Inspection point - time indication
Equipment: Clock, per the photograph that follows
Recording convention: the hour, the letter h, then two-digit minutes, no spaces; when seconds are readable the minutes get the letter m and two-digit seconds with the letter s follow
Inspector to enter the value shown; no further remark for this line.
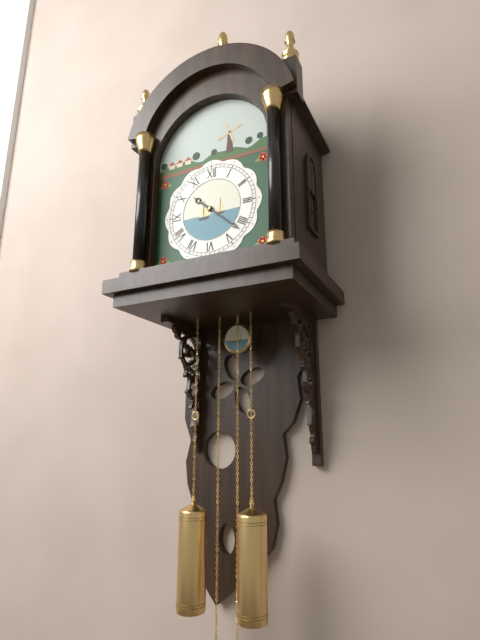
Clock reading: 10h22
